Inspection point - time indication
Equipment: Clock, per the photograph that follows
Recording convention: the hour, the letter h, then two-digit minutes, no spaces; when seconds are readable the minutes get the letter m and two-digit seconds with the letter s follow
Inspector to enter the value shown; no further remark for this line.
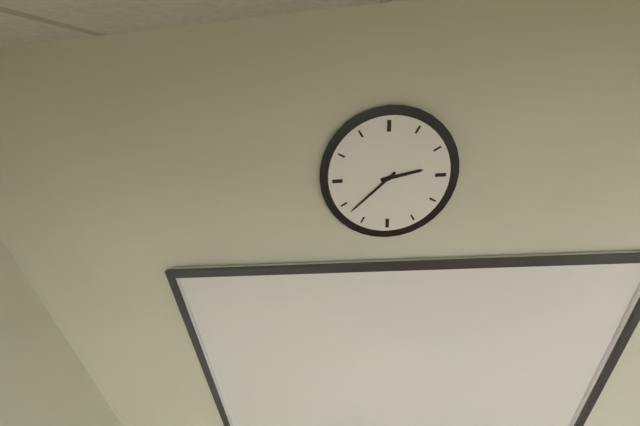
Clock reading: 2h38
